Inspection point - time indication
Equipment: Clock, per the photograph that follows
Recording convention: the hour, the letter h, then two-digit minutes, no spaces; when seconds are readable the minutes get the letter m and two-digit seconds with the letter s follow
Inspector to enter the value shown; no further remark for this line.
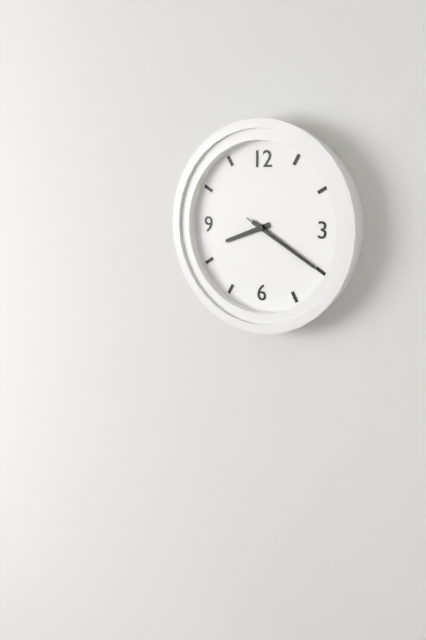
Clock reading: 8h20m20s
